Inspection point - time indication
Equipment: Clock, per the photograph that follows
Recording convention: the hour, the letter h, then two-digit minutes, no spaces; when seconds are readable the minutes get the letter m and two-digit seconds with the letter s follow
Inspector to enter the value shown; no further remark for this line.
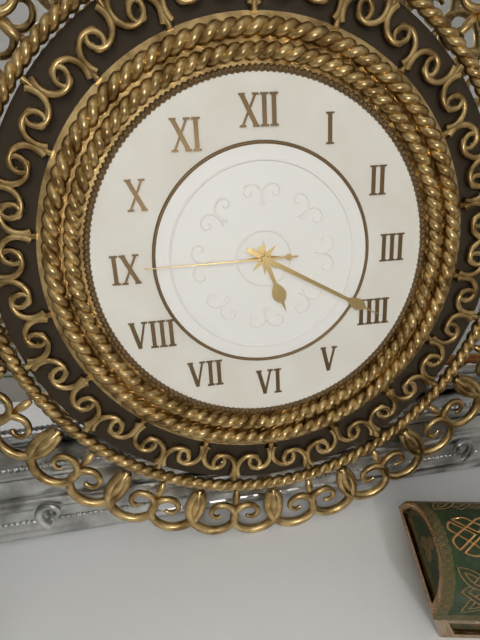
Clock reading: 5h20m45s
